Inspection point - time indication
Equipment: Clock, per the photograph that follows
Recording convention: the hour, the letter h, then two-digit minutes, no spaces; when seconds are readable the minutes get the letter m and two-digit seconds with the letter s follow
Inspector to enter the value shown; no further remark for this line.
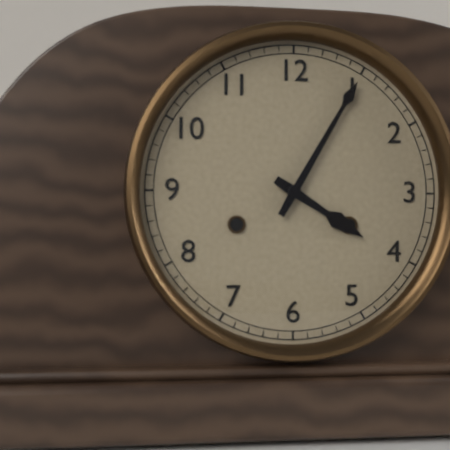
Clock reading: 4h05
